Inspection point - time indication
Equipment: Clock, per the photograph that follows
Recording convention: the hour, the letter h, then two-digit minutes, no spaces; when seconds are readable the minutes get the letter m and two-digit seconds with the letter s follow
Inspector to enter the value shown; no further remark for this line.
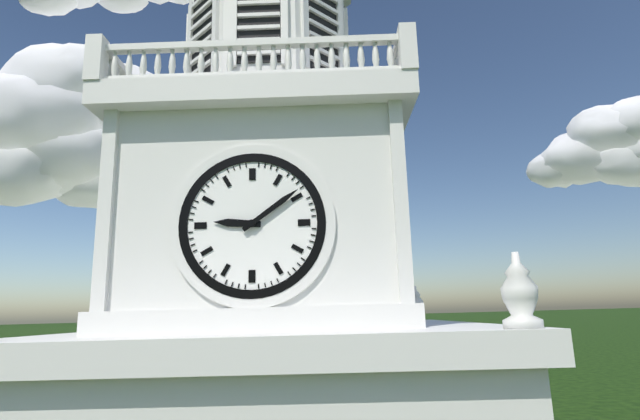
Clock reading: 9h09
